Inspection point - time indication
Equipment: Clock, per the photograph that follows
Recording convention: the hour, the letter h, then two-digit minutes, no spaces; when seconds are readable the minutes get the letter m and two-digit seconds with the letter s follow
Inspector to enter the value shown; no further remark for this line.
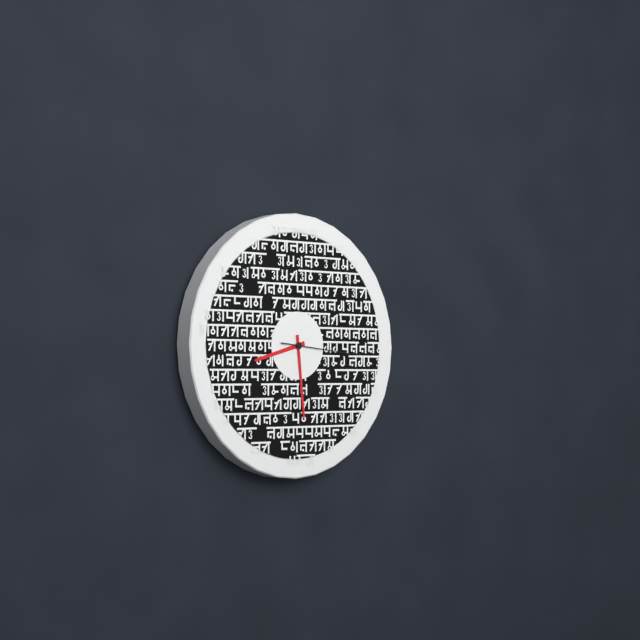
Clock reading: 8h29m16s
